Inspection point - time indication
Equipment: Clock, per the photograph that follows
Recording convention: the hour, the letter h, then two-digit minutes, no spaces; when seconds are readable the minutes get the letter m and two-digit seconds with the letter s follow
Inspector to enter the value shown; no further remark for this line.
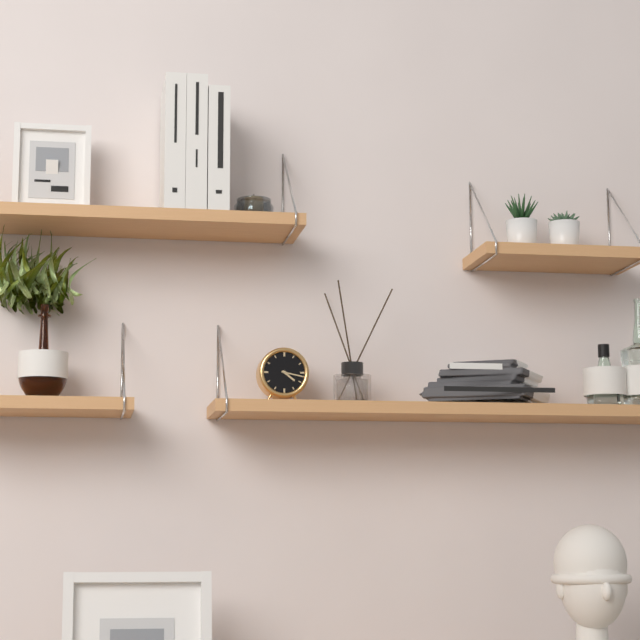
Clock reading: 4h17
